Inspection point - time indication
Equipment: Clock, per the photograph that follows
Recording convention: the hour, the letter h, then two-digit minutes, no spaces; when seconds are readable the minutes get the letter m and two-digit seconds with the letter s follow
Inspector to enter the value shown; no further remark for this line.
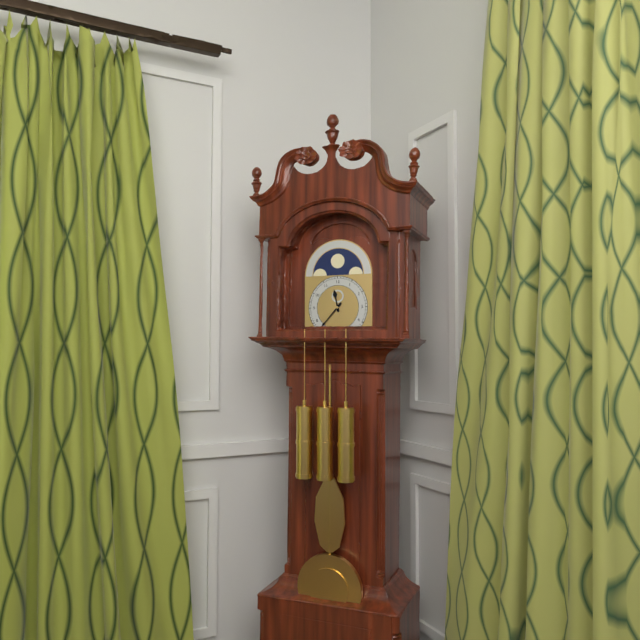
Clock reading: 11h37
